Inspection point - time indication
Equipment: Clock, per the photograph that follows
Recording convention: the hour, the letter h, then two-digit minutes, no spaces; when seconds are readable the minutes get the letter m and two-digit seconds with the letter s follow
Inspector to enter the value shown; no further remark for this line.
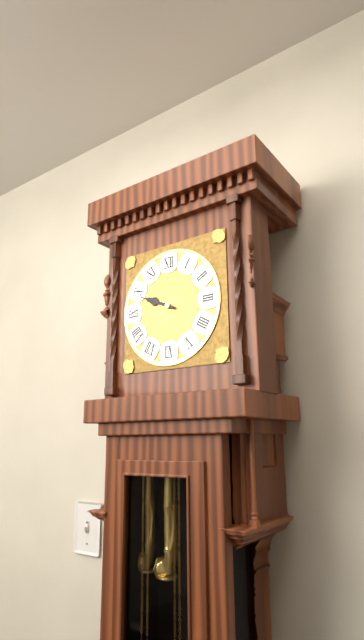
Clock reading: 9h49
